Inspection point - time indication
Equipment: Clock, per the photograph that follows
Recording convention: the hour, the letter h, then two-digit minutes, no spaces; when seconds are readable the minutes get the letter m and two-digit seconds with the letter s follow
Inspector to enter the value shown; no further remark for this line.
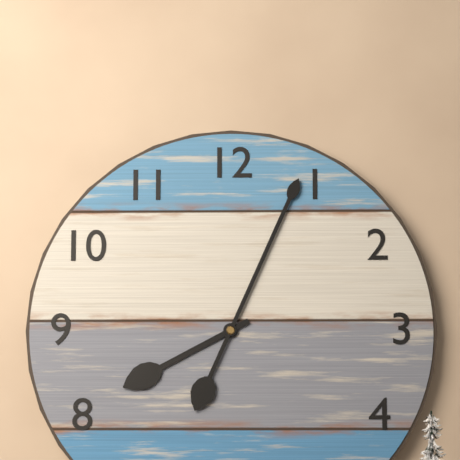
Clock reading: 8h04
